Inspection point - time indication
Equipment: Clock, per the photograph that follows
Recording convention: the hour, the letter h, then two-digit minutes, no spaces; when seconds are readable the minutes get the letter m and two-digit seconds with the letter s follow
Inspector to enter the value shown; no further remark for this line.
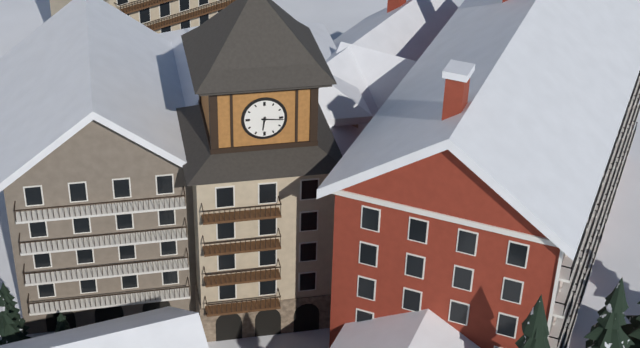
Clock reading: 6h16
